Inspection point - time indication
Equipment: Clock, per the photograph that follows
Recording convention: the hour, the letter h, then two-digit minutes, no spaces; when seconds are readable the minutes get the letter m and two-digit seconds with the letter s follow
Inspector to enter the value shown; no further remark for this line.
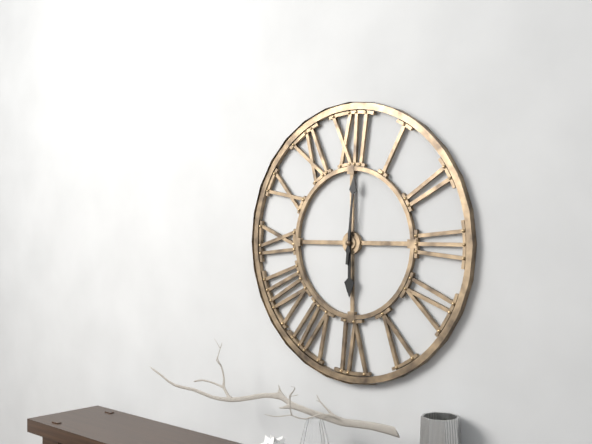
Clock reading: 6h01
